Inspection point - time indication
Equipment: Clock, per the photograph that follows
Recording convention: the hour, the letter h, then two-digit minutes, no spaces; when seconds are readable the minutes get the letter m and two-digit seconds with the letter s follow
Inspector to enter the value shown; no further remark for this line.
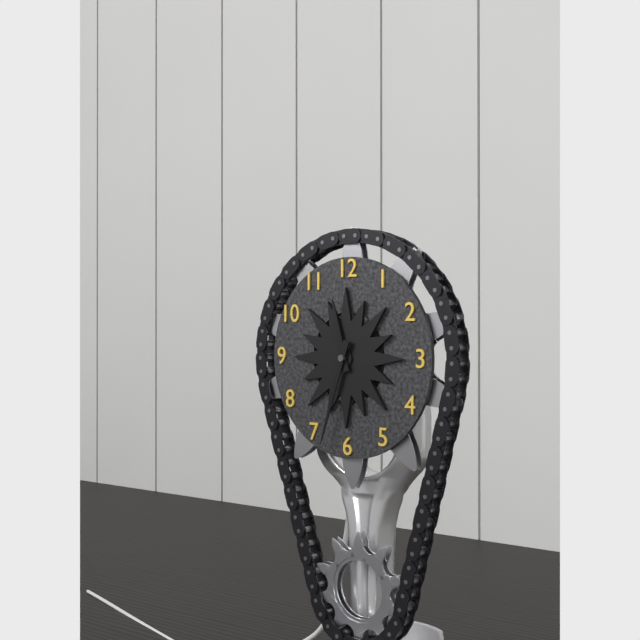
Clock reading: 11h33
